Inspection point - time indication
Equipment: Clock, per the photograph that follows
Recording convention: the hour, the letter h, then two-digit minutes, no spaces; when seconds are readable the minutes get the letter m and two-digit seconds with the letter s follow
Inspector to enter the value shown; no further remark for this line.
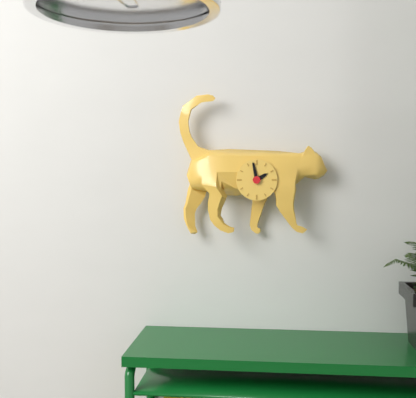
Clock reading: 1h58
